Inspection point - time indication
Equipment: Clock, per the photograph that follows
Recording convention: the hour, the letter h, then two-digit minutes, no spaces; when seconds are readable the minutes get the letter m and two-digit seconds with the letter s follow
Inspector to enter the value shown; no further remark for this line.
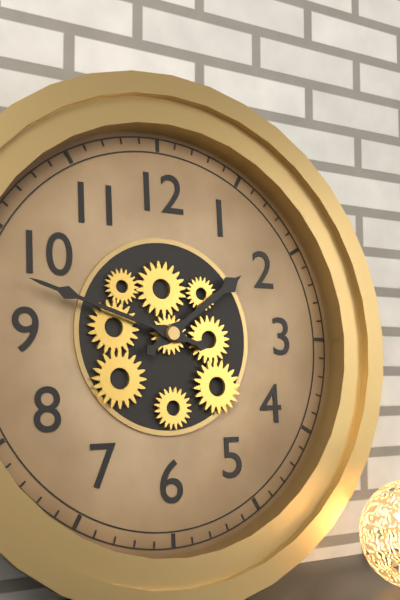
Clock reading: 1h48
